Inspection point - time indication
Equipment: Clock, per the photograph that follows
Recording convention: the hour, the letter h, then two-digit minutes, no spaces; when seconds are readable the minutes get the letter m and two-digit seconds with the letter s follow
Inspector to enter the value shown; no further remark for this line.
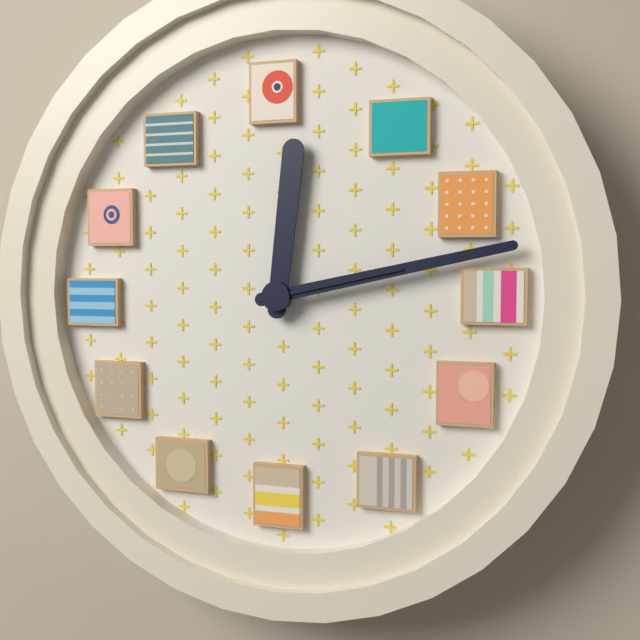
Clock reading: 12h13m13s
